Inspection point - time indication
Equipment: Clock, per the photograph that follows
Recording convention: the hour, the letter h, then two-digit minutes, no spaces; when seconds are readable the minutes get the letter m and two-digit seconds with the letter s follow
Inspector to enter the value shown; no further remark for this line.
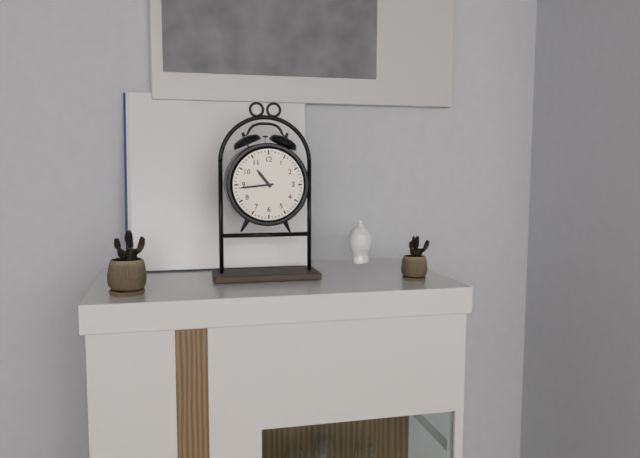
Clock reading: 10h44
